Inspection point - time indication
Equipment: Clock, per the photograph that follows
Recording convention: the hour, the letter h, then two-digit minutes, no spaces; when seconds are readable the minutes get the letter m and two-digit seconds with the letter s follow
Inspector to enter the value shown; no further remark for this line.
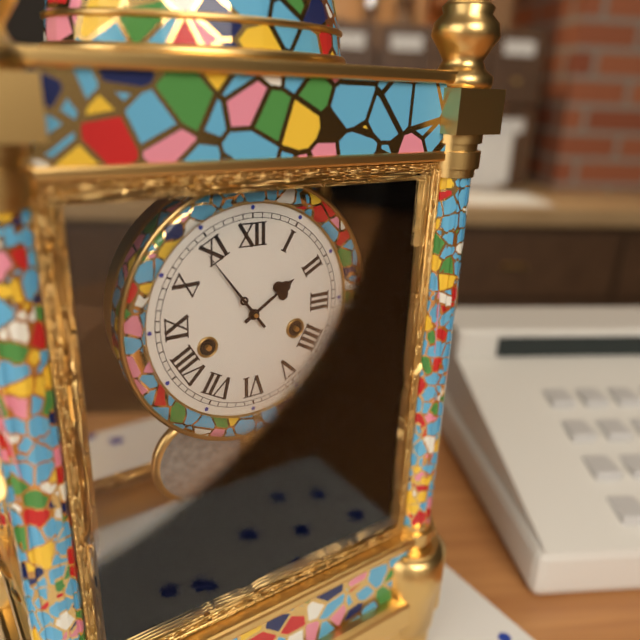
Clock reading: 1h54
